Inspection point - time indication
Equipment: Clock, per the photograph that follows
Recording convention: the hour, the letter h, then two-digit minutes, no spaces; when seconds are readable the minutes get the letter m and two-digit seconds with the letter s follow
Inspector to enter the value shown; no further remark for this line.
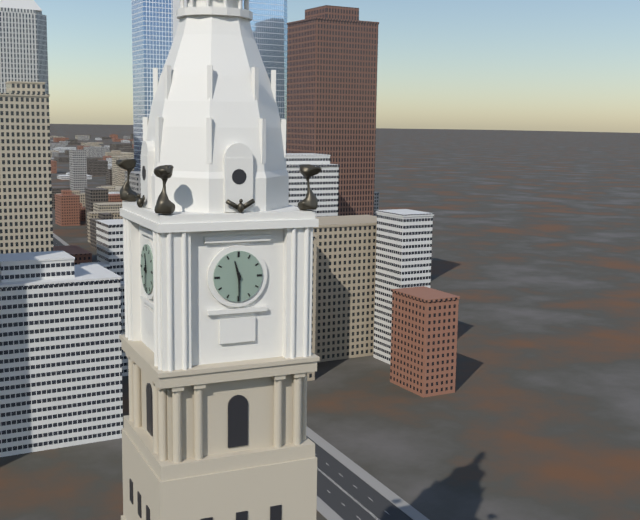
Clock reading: 11h30
